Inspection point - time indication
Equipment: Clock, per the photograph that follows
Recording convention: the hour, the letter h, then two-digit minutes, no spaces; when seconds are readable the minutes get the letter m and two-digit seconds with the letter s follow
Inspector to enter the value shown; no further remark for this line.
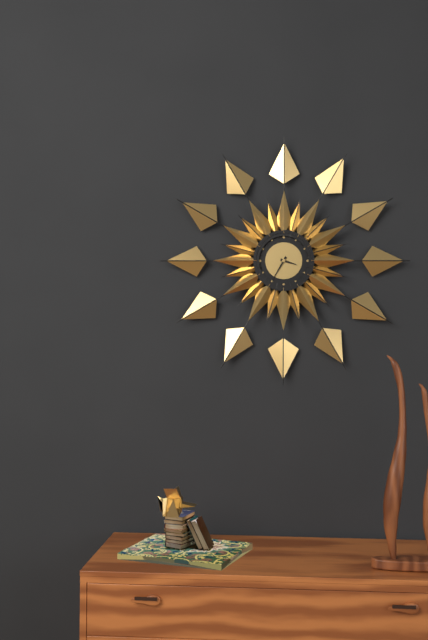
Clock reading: 3h35
